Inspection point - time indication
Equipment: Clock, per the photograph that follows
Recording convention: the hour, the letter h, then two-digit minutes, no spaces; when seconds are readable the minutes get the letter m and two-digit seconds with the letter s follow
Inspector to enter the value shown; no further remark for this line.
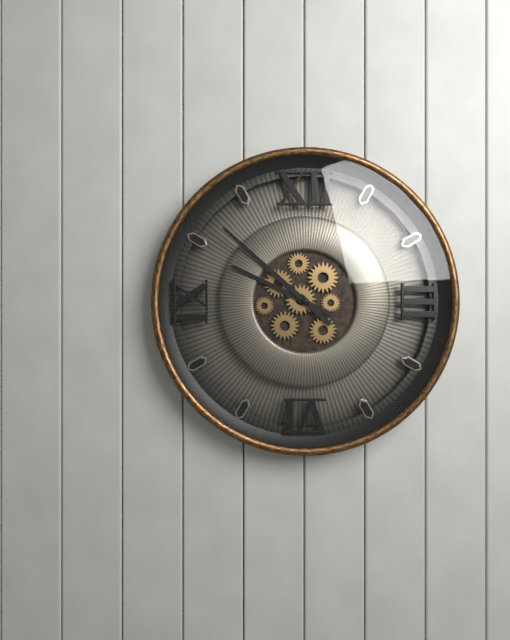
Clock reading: 9h52
